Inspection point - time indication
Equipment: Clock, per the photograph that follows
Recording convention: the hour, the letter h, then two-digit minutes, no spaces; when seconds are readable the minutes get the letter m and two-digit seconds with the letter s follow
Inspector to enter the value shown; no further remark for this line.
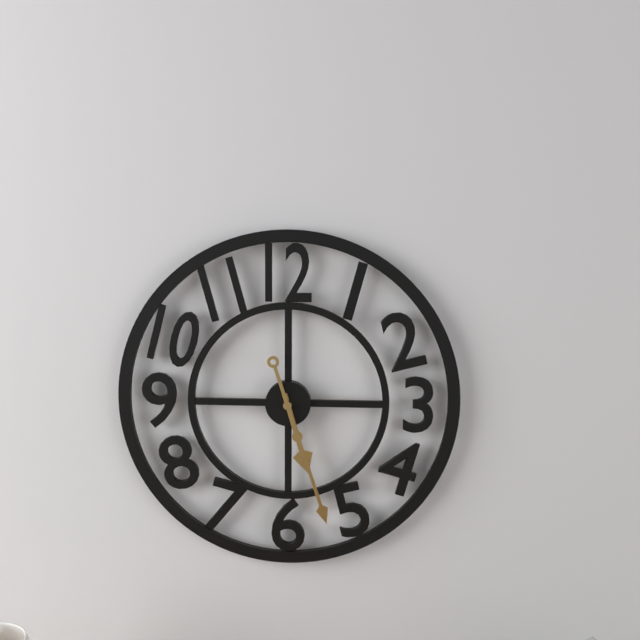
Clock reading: 5h27
